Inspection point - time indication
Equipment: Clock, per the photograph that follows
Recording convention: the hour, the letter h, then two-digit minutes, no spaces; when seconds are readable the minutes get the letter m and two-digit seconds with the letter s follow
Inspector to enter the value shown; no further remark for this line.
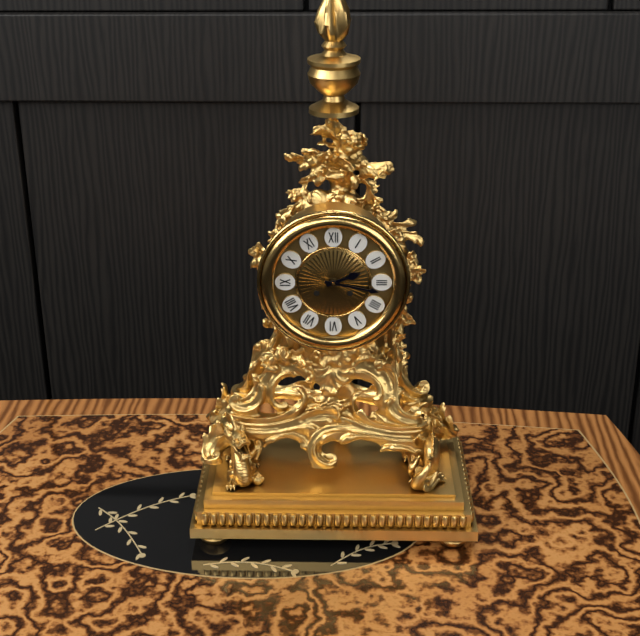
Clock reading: 2h17
